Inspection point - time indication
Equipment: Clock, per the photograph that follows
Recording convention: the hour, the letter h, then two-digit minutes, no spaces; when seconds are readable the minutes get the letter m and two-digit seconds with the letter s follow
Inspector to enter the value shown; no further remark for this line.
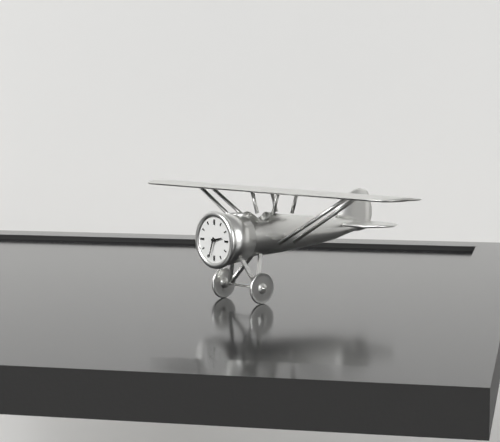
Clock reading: 2h33
